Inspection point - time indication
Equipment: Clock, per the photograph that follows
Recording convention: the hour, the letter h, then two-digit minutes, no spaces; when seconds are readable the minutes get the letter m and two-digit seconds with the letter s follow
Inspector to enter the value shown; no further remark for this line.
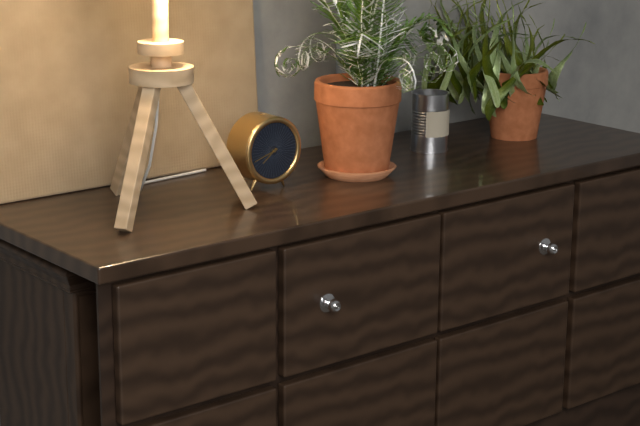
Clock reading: 7h42
